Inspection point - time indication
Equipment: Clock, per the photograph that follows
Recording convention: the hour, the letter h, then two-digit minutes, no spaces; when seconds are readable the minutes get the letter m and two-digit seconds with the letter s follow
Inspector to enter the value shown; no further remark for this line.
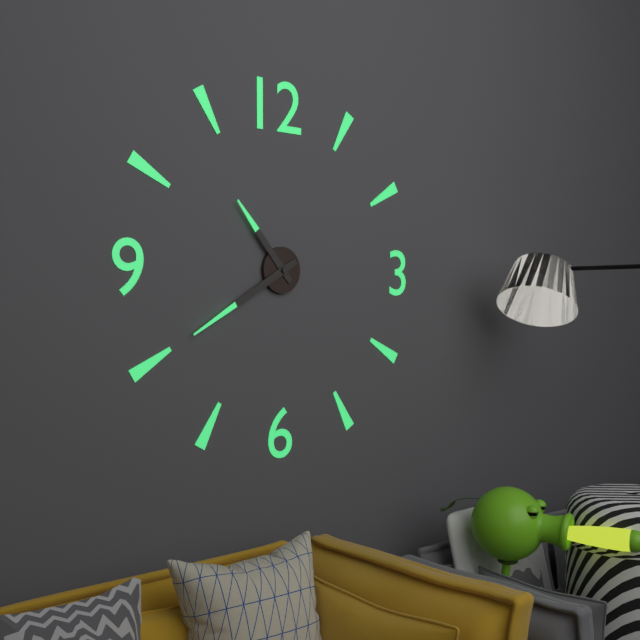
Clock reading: 10h40
